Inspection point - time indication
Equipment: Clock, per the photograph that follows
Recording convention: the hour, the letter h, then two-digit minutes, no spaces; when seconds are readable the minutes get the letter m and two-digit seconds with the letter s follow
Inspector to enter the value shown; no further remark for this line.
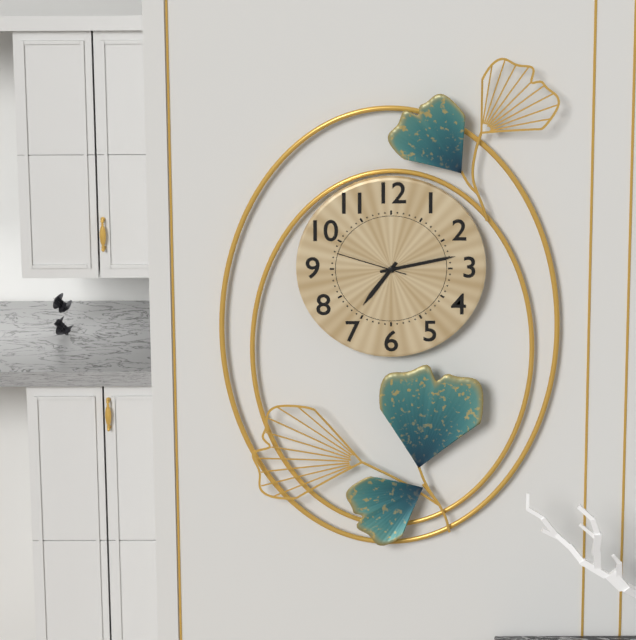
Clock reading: 7h13m48s
